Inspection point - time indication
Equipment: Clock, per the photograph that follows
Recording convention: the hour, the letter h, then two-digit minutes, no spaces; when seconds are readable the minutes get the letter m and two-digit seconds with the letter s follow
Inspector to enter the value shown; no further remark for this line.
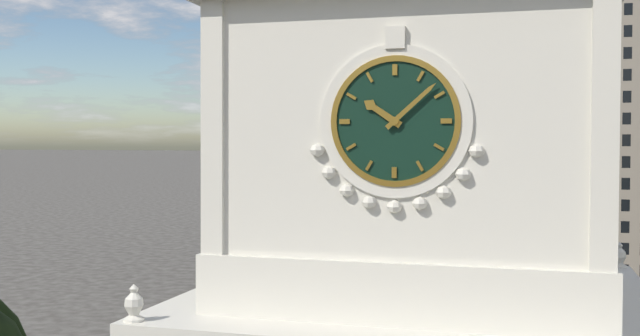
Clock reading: 10h08
